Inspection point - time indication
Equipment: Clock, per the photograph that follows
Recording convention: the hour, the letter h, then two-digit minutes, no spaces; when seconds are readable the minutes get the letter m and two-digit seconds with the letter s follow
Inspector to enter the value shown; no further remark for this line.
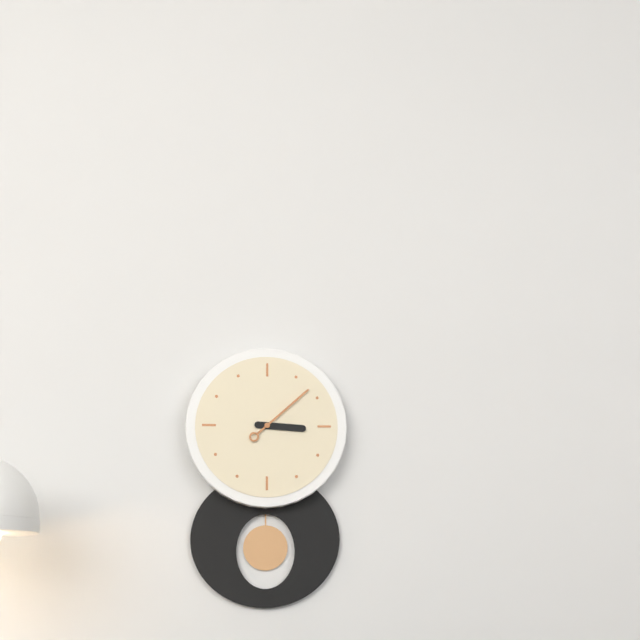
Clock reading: 3h08
